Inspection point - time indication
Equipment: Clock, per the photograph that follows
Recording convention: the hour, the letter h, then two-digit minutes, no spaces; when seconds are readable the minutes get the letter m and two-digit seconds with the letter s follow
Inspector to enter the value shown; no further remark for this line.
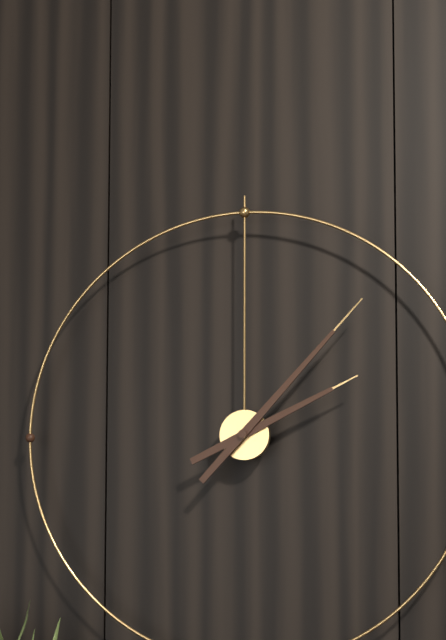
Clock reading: 2h07
